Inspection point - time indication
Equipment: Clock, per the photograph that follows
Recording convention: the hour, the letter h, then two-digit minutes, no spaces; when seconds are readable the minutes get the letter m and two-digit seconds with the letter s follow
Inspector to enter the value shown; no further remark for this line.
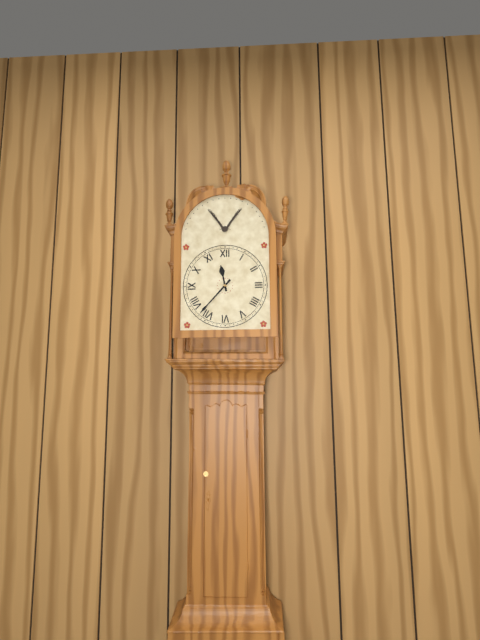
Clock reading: 11h37
